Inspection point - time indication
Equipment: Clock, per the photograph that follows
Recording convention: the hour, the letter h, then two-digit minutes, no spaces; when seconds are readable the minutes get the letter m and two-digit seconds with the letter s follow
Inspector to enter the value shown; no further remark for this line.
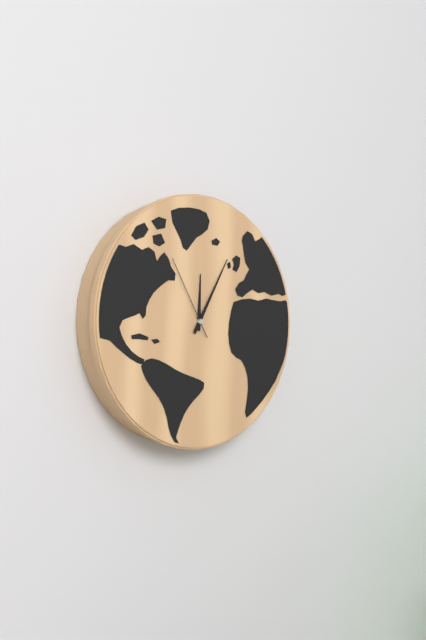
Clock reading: 12h05m55s
